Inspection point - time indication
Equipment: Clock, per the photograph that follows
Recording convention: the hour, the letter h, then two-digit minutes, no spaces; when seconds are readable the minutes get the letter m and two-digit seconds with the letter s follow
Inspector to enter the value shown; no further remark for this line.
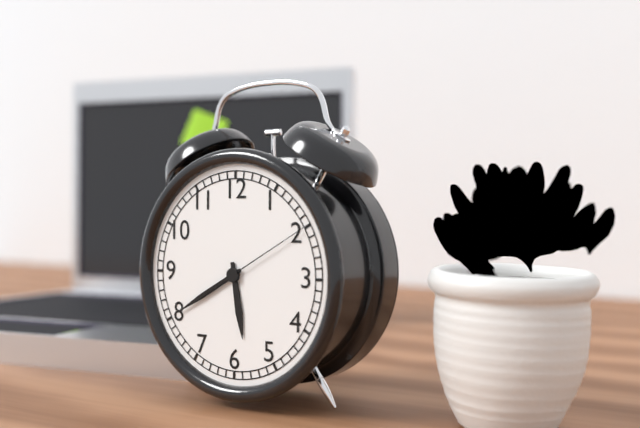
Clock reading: 5h40m10s
